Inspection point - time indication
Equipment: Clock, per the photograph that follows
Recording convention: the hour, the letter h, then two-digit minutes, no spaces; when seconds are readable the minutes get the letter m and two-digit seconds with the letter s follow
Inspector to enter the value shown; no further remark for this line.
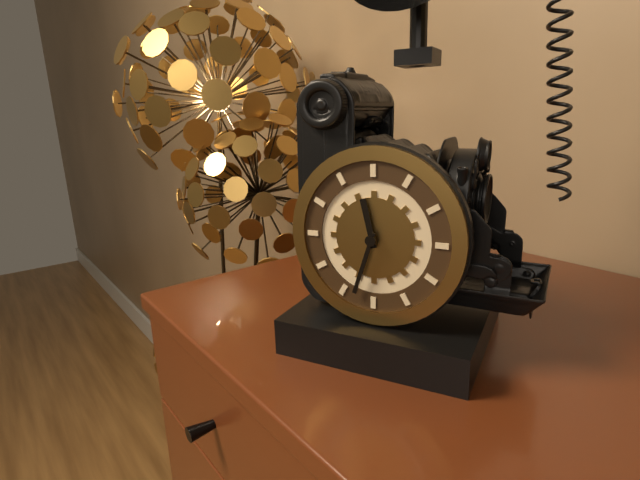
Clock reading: 11h33
